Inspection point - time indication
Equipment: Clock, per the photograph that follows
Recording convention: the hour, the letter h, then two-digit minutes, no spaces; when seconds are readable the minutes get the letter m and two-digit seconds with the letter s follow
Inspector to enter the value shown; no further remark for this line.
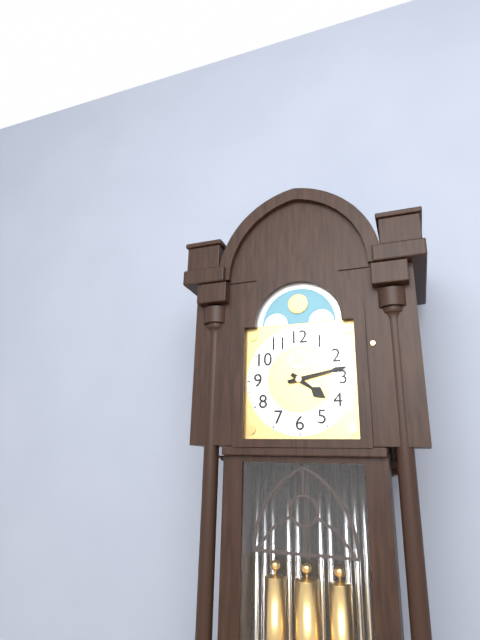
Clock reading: 4h13
